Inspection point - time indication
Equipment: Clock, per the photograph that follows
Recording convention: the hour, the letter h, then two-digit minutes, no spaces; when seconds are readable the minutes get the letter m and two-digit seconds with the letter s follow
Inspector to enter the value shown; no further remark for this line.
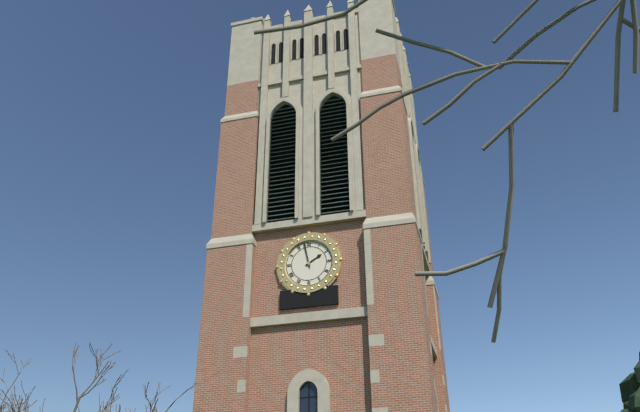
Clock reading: 1h58
